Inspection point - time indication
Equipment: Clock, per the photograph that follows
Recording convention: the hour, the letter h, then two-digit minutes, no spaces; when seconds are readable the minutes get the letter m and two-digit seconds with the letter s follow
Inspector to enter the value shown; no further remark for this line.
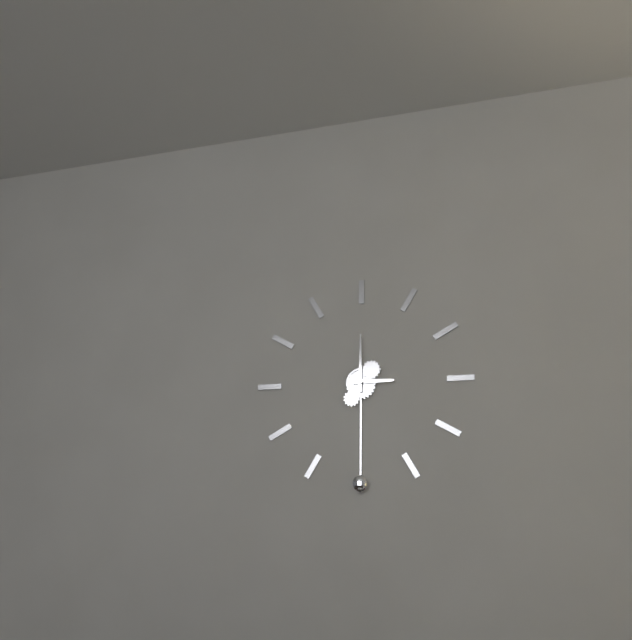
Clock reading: 3h00
